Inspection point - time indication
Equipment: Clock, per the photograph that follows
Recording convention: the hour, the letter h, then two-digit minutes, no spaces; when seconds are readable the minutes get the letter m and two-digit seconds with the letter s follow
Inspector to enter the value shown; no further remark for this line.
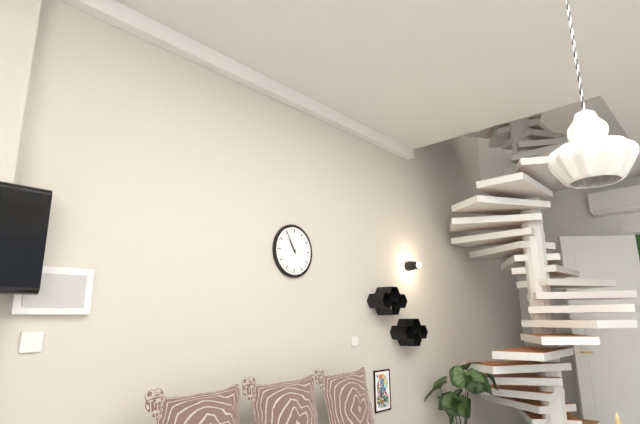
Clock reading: 10h55
